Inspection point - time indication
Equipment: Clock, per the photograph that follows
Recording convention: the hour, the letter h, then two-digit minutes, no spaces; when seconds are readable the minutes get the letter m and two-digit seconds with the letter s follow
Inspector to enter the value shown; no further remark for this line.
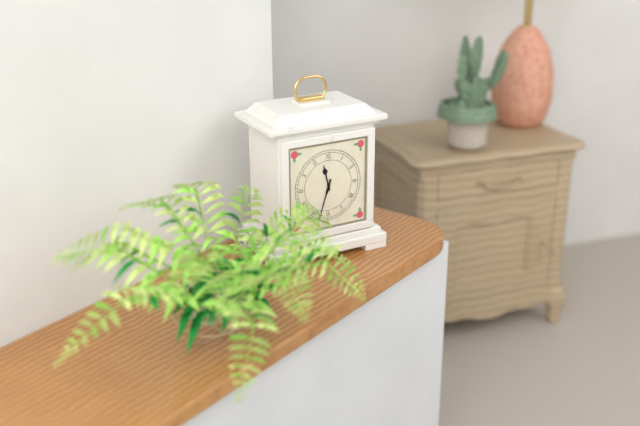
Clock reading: 11h33
